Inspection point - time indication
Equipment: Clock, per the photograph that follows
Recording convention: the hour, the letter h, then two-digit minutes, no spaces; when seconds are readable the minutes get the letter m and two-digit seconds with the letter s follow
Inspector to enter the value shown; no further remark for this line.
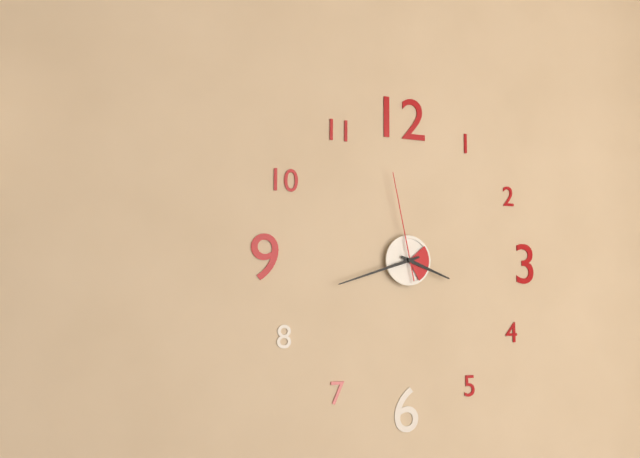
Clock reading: 3h42m58s
